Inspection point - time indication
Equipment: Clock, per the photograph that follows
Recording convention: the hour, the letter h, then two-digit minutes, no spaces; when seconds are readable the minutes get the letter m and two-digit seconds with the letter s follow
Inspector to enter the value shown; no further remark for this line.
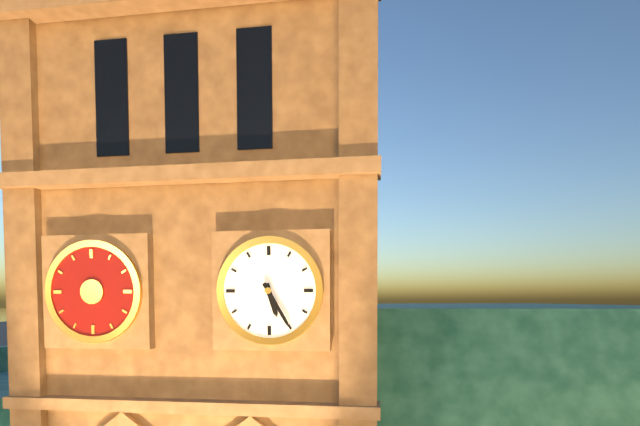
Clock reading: 5h25
